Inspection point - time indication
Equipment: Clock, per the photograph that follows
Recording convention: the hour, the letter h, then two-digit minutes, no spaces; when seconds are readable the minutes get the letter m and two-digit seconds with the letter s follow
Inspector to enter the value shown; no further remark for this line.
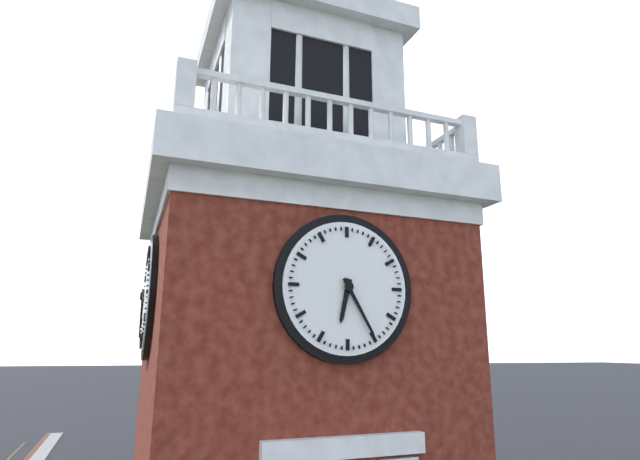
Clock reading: 6h25
